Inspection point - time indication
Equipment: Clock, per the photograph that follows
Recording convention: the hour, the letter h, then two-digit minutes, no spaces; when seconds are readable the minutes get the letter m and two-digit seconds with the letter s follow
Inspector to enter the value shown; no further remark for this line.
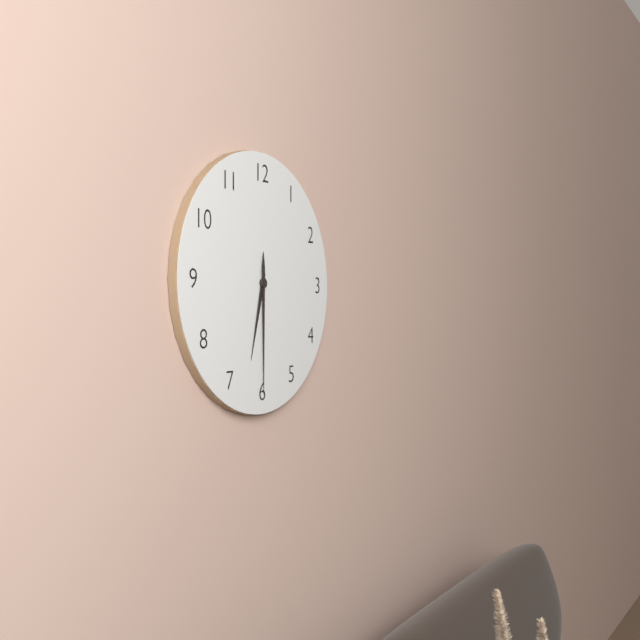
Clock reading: 6h30
